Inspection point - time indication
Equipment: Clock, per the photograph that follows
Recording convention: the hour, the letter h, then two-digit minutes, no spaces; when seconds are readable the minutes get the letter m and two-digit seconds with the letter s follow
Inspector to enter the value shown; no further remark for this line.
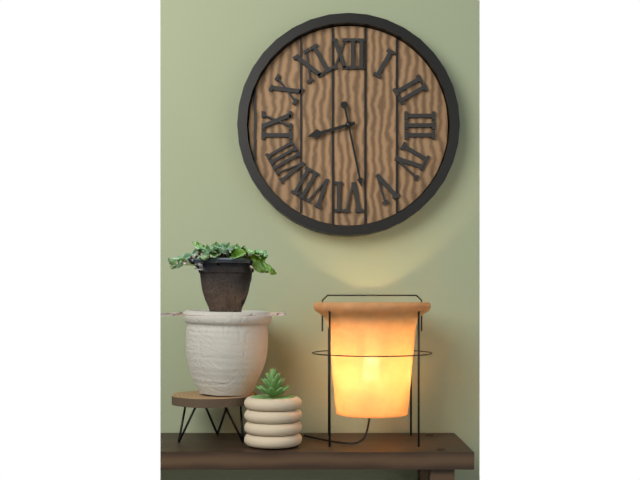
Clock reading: 8h28
